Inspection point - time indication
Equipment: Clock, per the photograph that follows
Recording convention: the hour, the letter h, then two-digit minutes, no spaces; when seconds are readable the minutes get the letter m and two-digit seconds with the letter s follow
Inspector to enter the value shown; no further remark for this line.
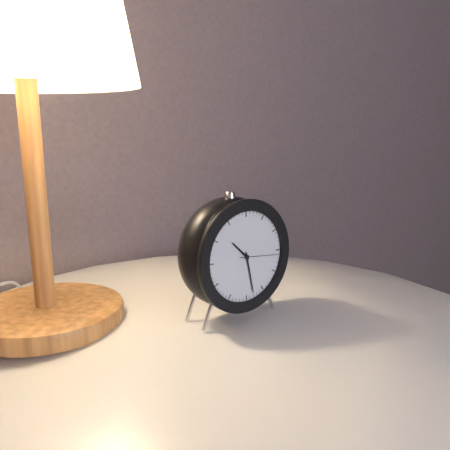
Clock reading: 10h28
